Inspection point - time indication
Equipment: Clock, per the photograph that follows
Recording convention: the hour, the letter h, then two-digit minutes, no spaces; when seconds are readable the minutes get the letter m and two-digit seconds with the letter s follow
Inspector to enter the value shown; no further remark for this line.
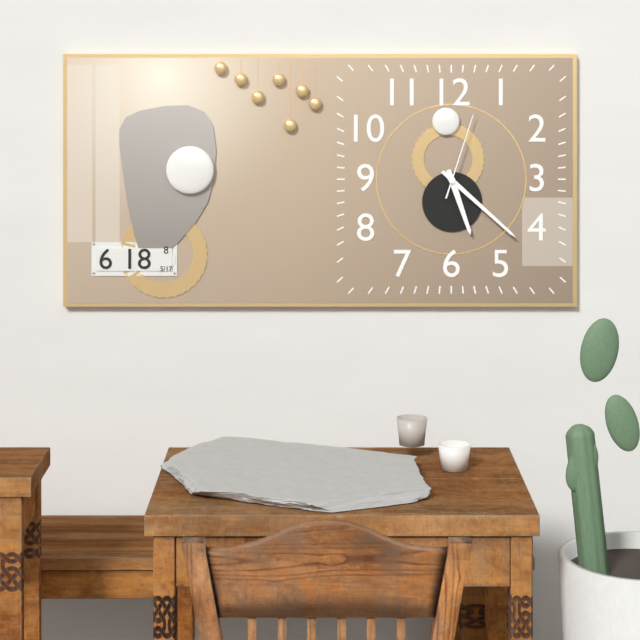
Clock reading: 5h22m03s
